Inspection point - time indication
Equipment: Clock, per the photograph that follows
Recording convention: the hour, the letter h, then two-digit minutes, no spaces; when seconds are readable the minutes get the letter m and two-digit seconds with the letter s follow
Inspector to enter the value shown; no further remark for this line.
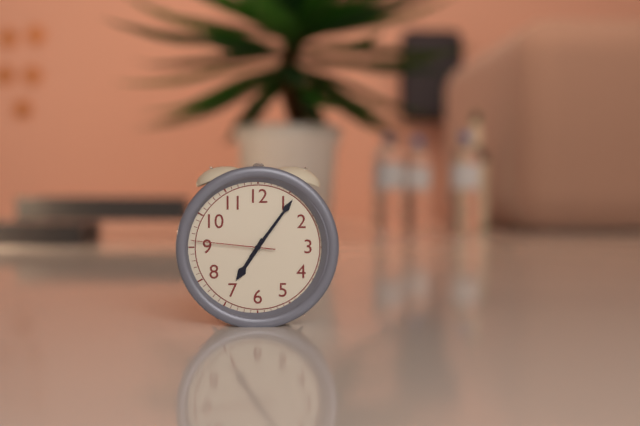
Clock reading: 7h06m46s
